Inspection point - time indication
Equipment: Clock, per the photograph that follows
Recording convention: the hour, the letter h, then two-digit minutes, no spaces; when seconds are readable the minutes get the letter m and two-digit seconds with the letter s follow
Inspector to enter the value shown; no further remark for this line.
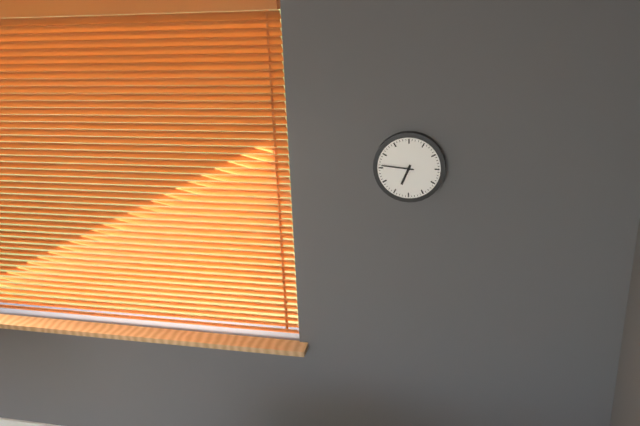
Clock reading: 6h46
